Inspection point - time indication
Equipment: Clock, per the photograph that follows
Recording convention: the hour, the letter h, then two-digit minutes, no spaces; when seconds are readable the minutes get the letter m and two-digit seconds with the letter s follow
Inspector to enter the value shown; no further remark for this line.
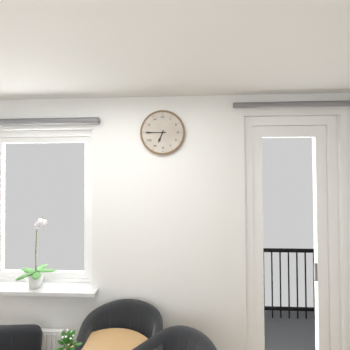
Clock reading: 6h45
